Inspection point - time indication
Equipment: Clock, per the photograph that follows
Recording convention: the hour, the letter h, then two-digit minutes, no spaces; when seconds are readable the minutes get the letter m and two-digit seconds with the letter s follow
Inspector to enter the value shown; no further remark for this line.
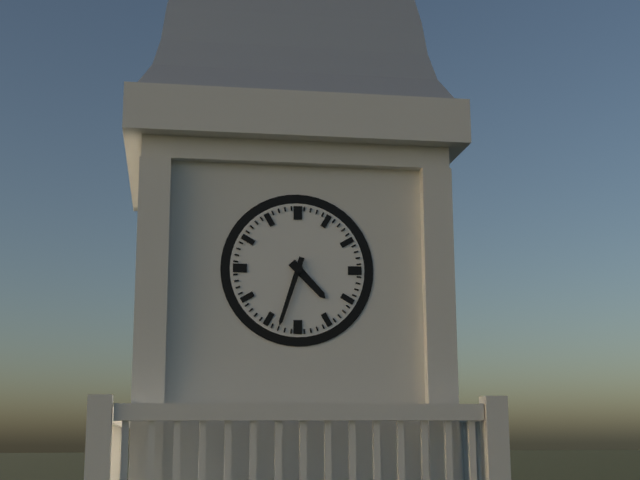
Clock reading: 4h33
